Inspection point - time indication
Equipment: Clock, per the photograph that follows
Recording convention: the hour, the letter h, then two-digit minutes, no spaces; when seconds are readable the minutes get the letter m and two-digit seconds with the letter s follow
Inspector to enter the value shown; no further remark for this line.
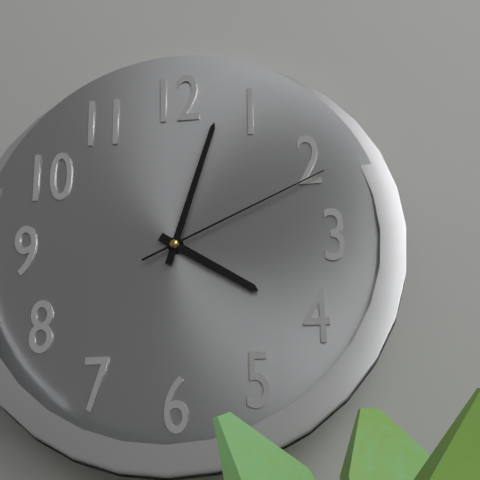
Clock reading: 4h03m11s
